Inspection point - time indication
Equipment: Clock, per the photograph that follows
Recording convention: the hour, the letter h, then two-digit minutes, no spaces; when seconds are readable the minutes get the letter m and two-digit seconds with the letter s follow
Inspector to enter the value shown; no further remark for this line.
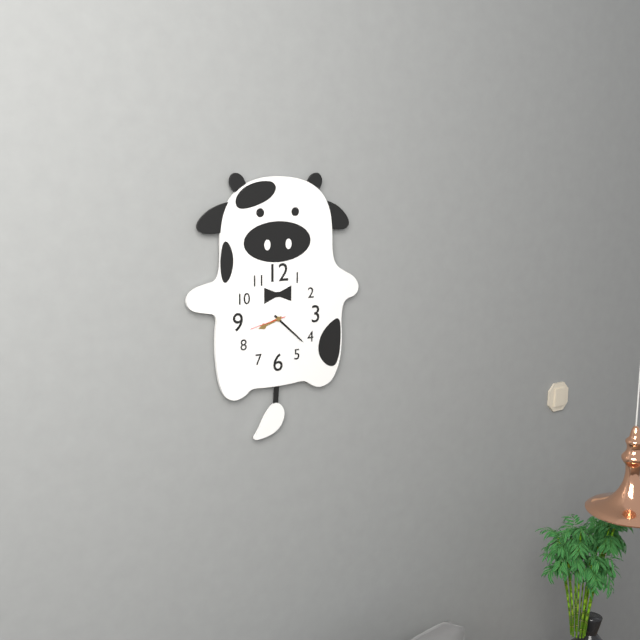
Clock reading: 8h22
